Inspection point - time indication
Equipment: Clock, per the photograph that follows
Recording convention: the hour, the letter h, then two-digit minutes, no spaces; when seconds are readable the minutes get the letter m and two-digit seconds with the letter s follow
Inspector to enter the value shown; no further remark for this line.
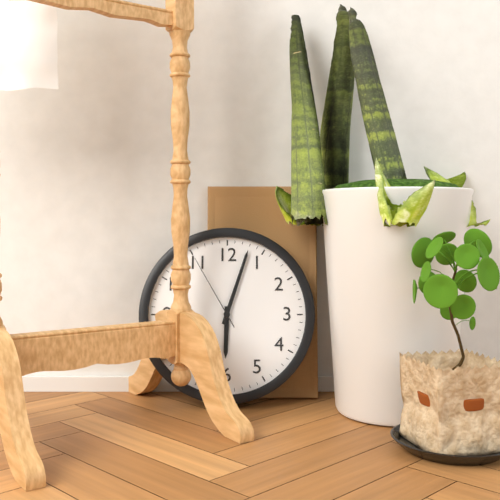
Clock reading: 6h03m55s
